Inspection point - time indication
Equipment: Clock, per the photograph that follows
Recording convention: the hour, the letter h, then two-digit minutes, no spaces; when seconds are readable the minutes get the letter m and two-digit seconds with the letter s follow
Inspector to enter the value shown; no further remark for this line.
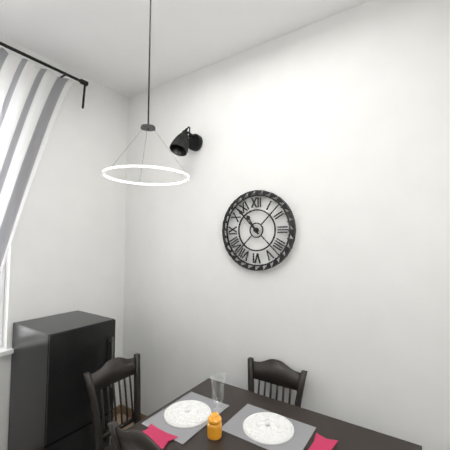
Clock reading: 10h53
